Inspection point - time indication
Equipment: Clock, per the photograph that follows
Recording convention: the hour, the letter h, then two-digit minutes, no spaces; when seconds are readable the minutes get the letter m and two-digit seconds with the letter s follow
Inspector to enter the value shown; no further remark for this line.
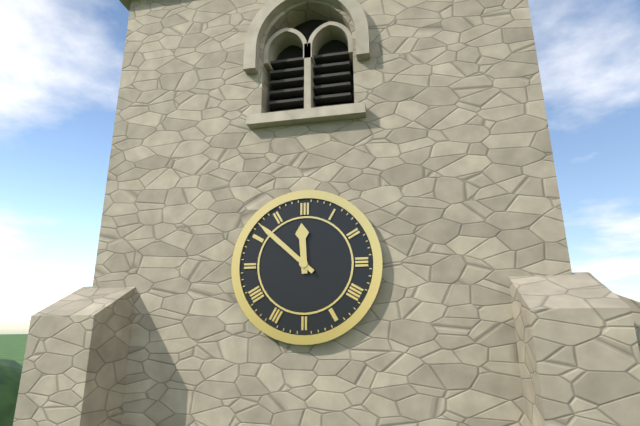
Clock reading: 11h52
